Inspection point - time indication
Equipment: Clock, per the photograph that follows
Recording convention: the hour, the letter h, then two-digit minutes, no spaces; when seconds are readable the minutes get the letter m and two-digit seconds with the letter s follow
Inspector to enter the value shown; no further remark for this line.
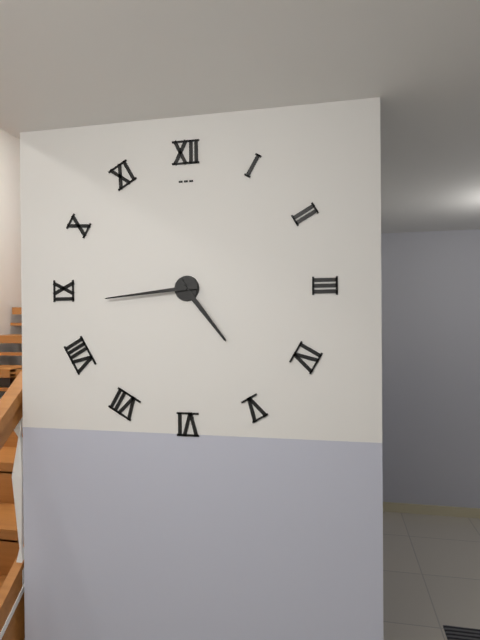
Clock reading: 4h44
